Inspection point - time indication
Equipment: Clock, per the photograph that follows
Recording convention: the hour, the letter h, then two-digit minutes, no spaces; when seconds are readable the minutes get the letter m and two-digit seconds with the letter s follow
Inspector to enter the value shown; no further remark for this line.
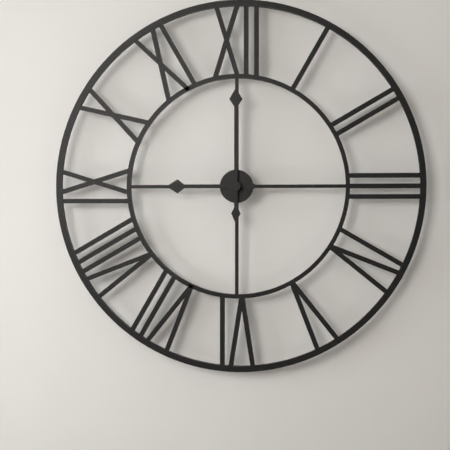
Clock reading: 9h00
